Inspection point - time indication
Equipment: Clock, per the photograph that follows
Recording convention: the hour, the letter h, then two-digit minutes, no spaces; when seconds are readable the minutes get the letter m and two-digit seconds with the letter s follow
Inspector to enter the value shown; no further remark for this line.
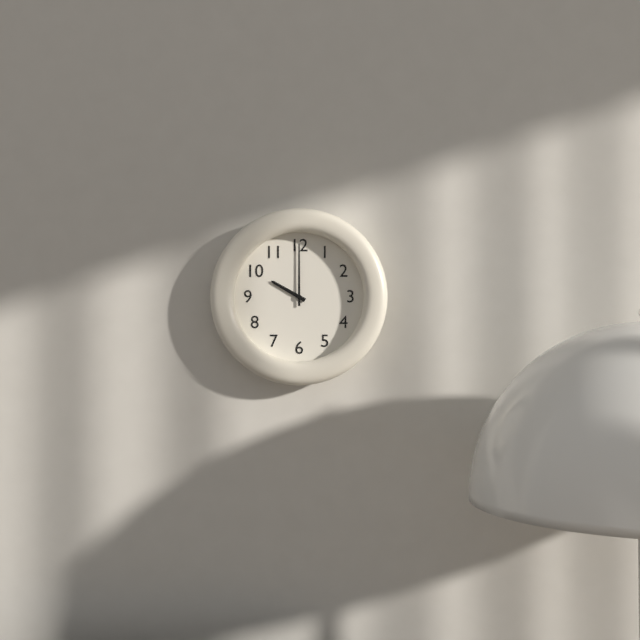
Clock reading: 10h00
